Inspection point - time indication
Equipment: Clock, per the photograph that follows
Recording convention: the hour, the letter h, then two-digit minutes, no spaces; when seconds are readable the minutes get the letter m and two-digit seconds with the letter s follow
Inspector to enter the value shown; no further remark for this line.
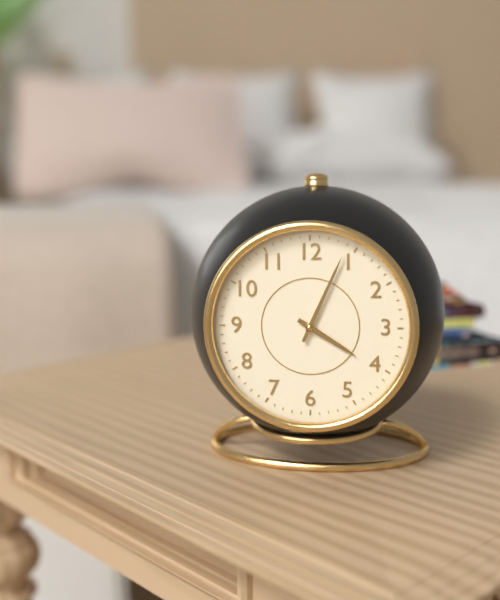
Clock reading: 4h04
